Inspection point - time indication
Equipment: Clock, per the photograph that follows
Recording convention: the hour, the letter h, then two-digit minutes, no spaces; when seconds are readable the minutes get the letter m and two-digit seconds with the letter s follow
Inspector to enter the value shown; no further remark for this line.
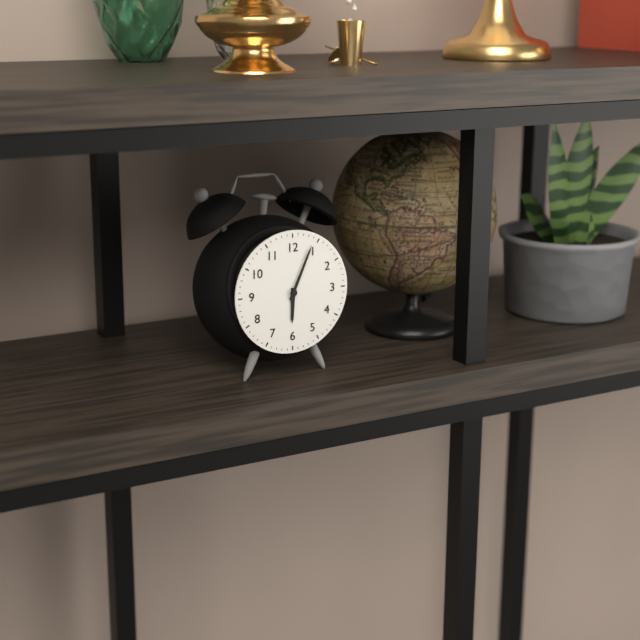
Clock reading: 6h04
